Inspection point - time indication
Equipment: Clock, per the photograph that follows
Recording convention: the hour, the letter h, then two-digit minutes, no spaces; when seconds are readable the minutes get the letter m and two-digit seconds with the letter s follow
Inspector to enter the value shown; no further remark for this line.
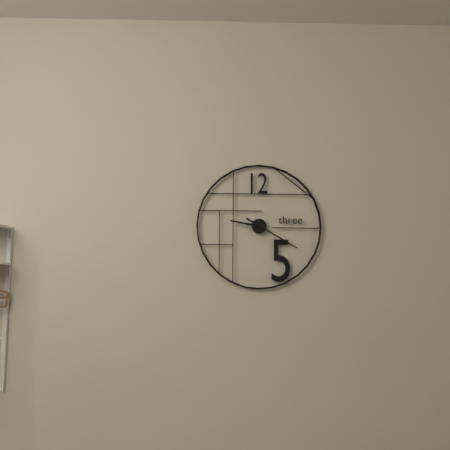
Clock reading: 9h20
